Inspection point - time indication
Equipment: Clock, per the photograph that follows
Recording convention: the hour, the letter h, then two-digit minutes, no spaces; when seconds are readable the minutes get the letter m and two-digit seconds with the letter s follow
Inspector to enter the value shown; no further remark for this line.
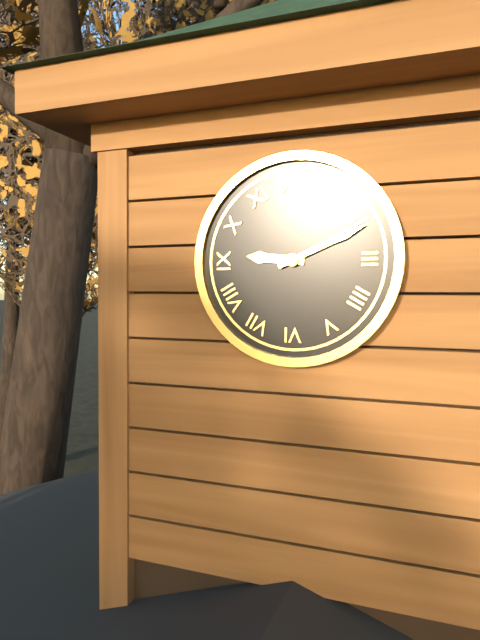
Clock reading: 9h11
